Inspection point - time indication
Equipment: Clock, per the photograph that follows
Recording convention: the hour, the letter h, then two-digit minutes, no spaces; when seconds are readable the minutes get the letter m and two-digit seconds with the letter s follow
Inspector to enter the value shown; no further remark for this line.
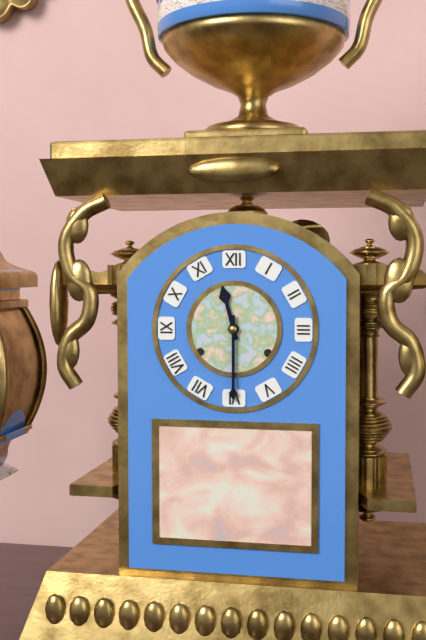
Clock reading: 11h30
